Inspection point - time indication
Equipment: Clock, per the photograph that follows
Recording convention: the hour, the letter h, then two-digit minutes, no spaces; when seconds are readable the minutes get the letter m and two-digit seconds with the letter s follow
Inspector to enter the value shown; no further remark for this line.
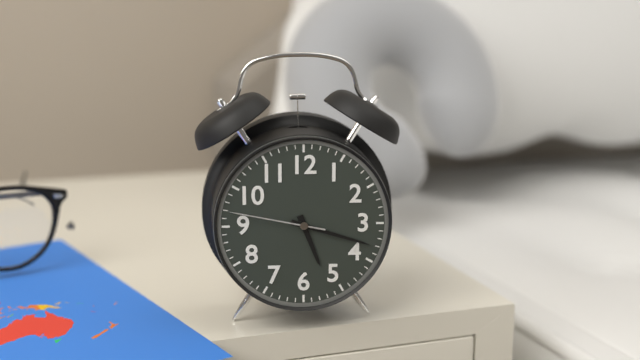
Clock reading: 5h18m47s
